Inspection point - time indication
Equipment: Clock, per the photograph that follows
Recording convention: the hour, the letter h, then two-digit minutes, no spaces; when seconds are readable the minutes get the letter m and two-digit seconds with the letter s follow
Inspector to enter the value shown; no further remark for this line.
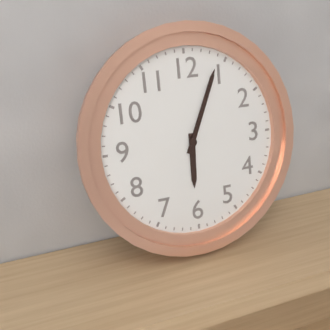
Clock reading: 6h04
